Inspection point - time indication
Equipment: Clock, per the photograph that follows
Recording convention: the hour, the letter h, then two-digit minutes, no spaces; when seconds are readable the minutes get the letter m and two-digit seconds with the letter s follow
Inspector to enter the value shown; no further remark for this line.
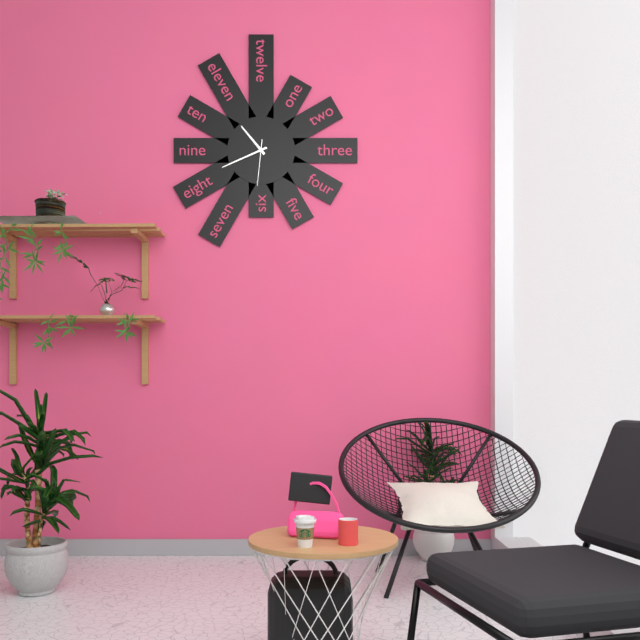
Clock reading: 10h41
